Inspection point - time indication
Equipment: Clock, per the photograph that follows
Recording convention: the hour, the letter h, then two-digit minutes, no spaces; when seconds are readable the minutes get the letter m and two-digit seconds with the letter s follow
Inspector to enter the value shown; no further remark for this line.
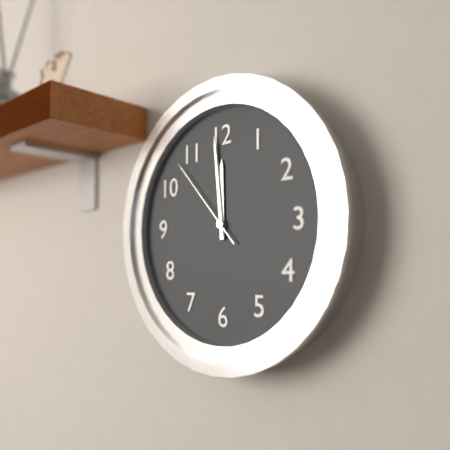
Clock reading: 11h59m53s
